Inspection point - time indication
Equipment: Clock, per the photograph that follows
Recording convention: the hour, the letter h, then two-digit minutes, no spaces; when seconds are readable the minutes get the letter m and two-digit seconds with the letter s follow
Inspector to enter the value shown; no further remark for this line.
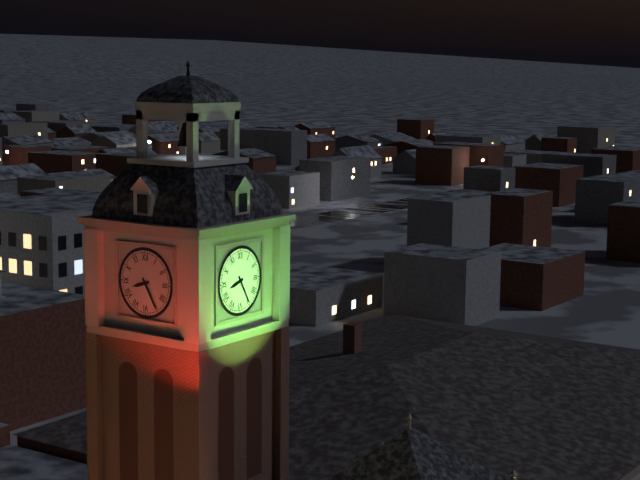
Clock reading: 8h25
